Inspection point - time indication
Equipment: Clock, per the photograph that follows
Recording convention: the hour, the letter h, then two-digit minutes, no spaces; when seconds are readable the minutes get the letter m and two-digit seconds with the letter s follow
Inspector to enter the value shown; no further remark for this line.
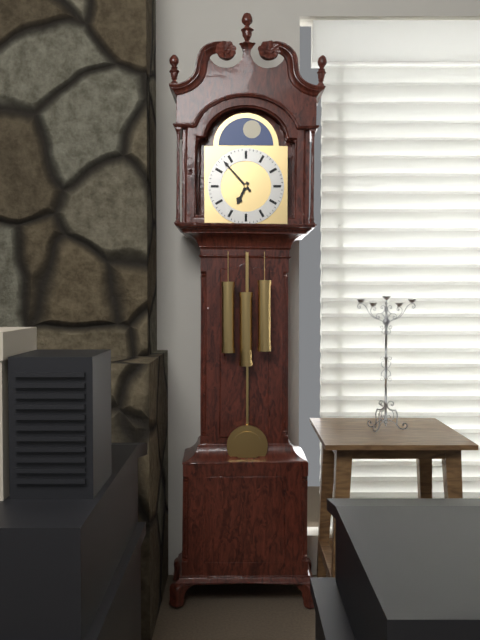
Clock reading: 6h53
